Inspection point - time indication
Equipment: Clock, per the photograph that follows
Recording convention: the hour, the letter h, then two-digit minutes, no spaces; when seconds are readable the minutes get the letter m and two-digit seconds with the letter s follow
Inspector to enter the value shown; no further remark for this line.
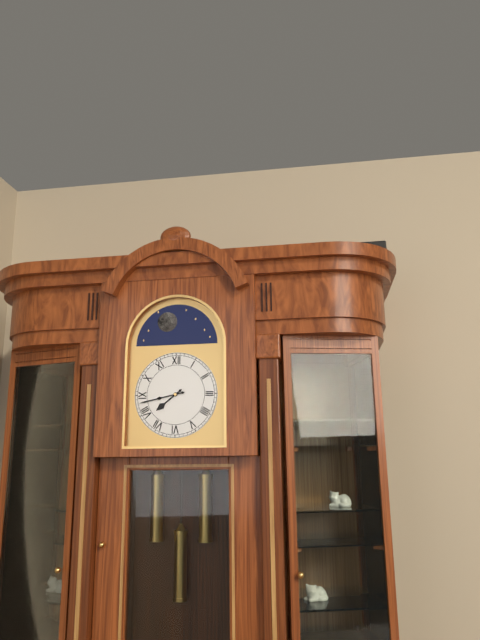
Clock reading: 7h43
